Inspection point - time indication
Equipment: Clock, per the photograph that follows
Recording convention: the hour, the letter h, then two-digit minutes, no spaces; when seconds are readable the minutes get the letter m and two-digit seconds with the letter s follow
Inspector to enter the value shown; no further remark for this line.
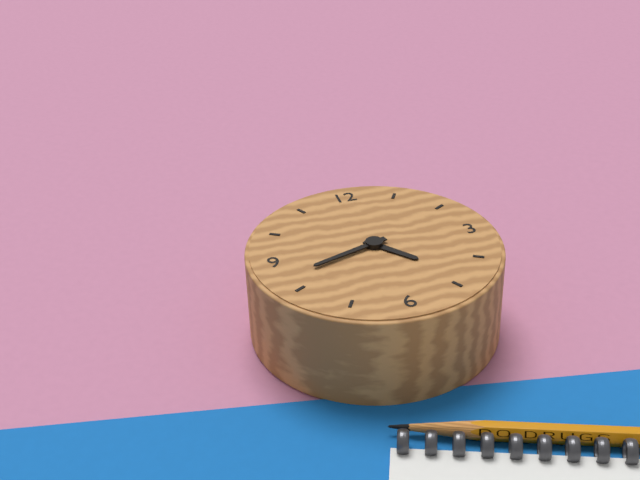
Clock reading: 4h42
